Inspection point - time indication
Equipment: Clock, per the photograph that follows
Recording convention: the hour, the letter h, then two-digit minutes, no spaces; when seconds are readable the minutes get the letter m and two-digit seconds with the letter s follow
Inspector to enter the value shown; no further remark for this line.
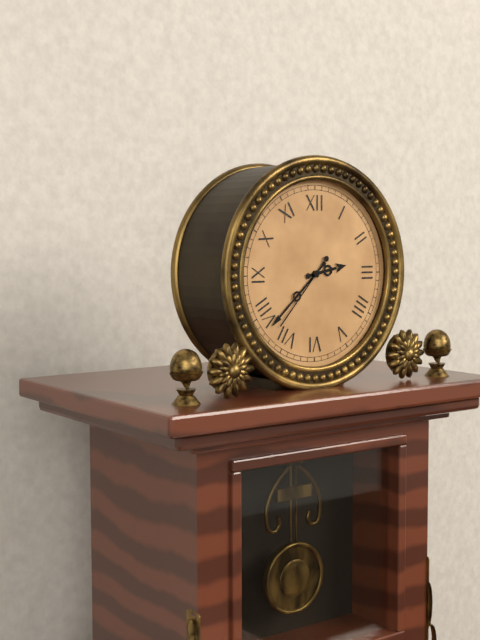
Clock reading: 2h38m37s
